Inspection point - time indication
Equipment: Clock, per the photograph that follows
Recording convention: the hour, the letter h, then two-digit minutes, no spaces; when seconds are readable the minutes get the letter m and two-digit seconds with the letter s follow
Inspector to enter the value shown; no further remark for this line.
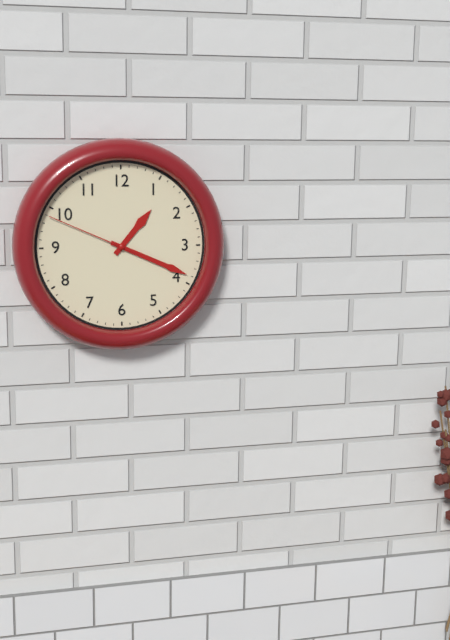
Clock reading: 1h19m49s
